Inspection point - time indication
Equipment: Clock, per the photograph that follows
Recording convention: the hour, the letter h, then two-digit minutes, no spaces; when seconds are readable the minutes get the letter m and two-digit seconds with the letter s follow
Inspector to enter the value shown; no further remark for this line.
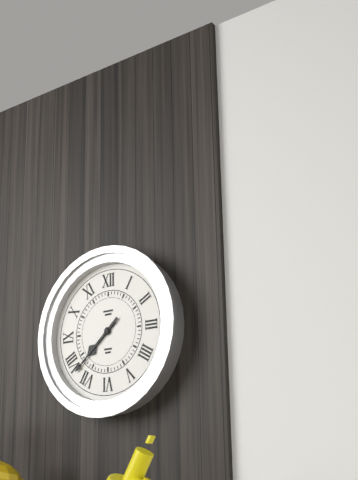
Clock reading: 7h38
